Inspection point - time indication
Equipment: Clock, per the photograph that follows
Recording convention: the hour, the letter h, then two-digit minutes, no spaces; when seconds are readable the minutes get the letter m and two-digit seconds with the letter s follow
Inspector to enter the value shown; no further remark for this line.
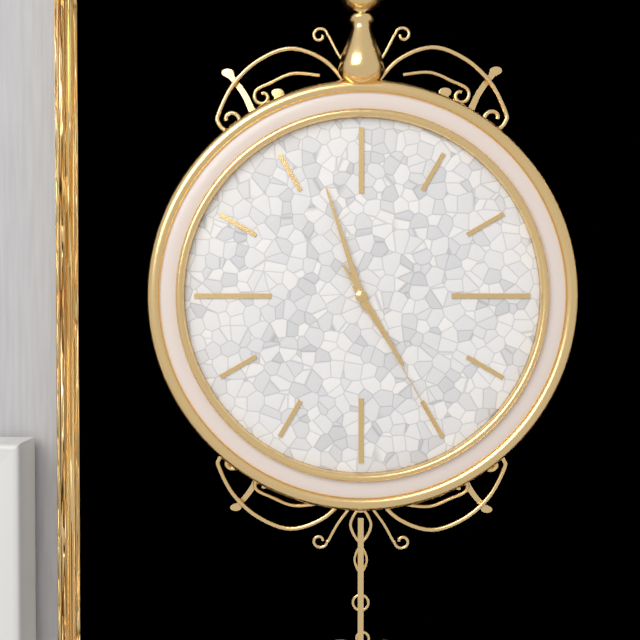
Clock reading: 4h57m25s
